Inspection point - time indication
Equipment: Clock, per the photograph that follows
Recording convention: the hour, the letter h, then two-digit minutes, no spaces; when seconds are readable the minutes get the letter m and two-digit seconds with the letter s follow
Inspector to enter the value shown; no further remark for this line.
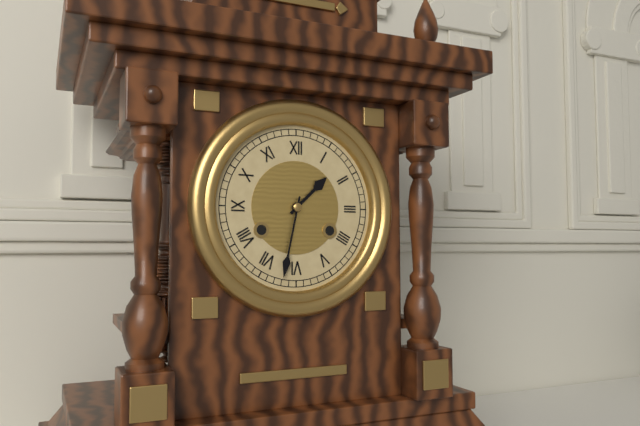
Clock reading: 1h32
